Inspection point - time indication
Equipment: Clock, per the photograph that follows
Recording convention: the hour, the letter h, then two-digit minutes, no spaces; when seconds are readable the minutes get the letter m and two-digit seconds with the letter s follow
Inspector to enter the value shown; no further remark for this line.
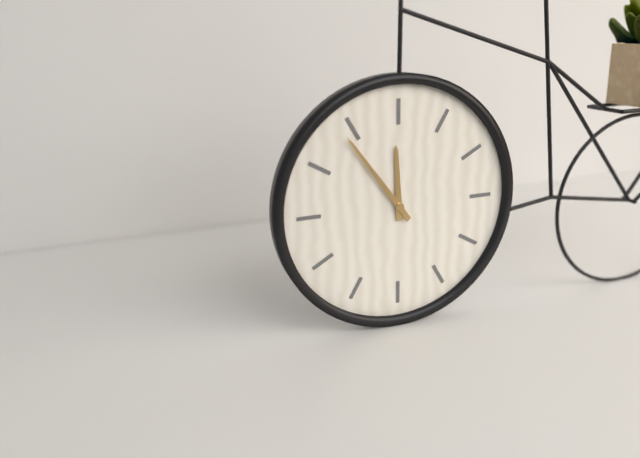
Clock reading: 11h54
